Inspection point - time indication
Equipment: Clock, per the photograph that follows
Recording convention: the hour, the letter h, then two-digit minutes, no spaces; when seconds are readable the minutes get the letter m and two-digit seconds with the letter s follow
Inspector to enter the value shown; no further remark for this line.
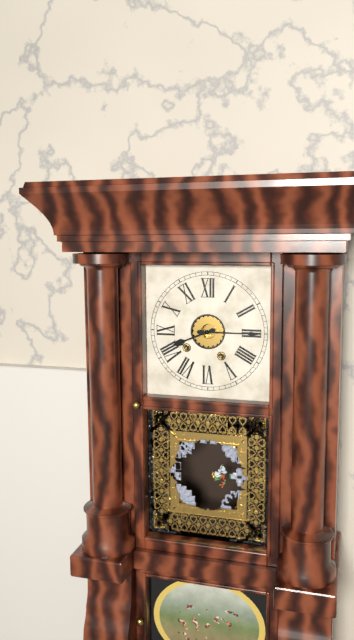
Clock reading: 8h15
